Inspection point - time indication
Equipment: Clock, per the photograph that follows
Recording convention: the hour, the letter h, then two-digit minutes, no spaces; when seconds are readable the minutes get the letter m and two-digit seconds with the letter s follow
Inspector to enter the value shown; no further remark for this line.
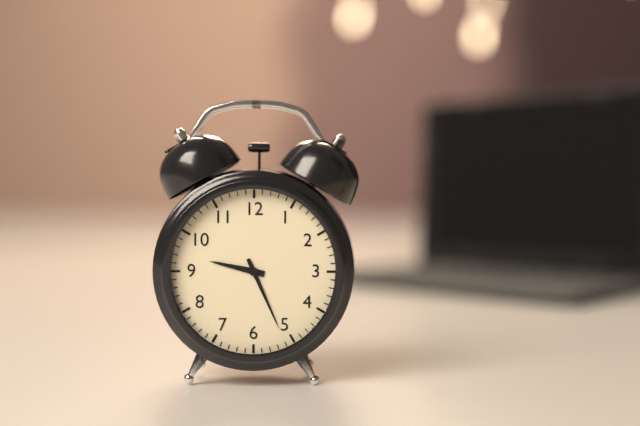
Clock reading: 9h26
